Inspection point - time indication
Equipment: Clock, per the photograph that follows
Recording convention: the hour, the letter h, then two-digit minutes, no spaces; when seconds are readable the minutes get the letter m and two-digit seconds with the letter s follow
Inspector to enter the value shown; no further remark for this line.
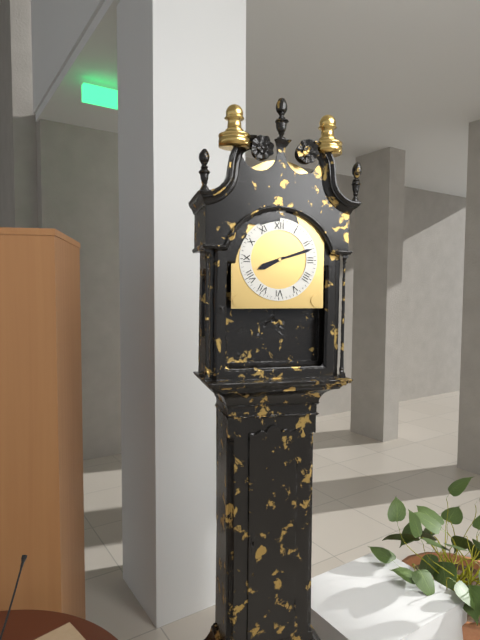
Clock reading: 8h12
